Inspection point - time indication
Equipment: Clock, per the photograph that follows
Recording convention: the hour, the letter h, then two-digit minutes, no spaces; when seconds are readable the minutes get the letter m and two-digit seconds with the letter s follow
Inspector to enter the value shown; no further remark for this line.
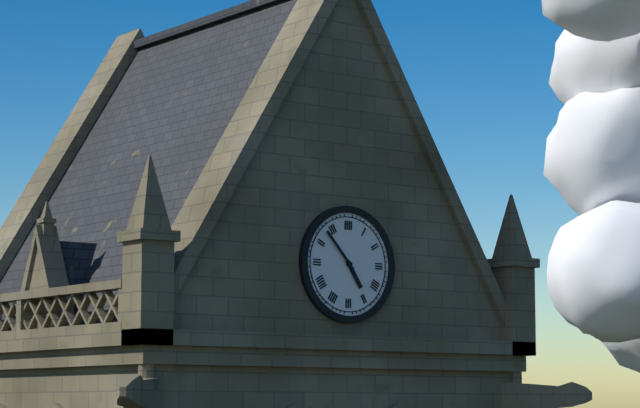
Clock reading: 4h53
